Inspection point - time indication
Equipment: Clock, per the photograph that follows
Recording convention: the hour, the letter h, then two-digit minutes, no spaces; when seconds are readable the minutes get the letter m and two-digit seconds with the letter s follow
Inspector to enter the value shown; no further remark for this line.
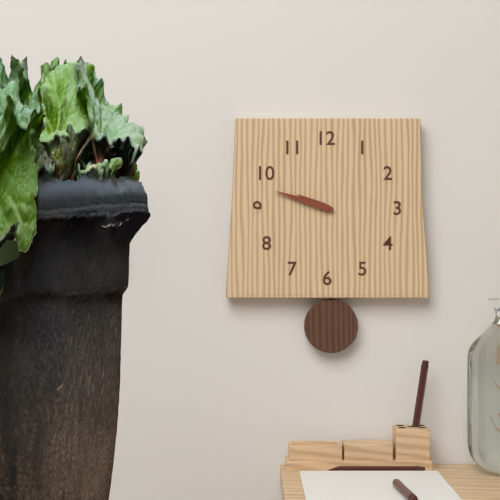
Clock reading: 9h48
